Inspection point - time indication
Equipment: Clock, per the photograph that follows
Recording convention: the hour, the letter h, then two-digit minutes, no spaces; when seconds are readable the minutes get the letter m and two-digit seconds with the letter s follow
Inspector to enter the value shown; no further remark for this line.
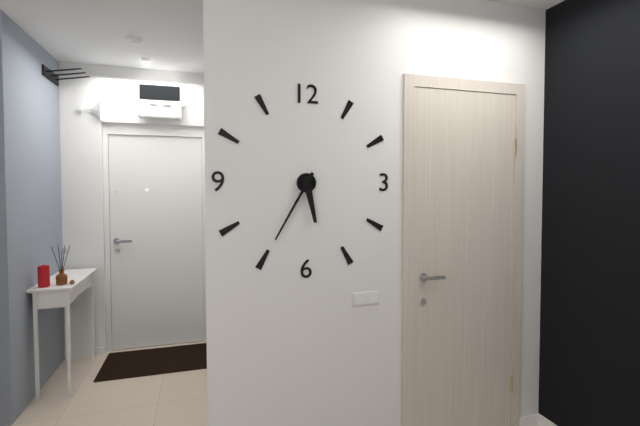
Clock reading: 5h35
